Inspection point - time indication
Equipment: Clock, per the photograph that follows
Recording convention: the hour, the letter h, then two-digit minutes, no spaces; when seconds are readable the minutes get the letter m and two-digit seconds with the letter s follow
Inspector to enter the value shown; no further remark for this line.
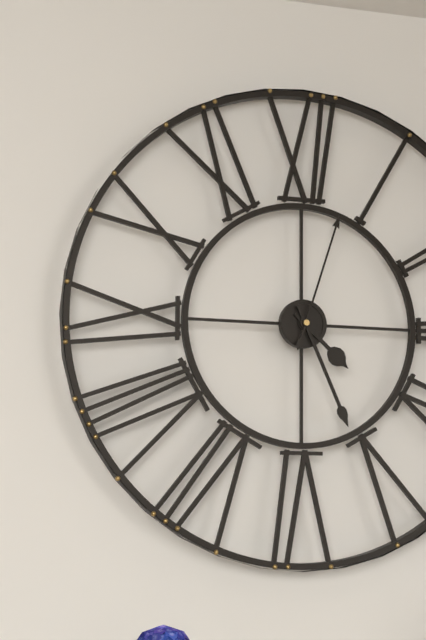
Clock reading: 4h26m03s
